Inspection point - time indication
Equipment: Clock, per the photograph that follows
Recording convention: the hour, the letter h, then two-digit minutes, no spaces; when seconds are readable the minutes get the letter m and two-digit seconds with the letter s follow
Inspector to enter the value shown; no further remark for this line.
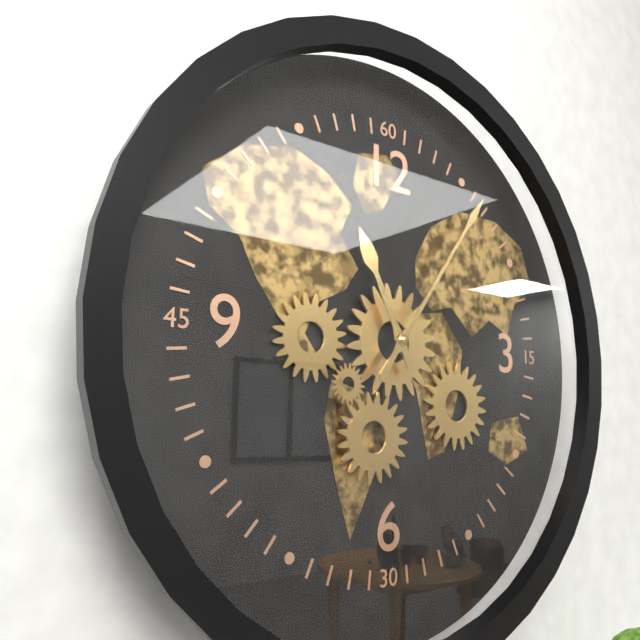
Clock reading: 11h06
